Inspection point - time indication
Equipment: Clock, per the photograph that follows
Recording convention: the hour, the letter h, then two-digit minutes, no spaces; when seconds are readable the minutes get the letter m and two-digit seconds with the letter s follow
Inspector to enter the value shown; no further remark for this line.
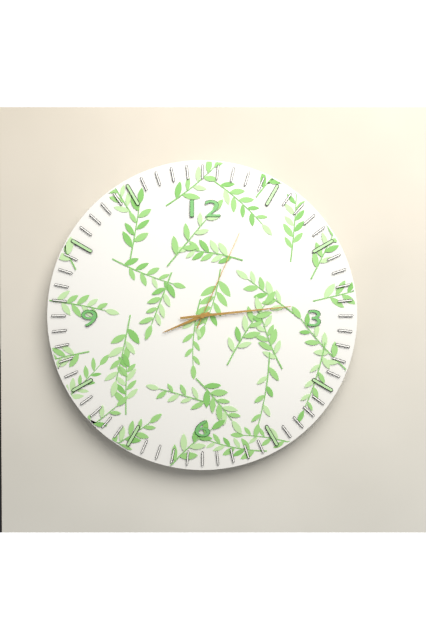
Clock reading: 8h14m04s
